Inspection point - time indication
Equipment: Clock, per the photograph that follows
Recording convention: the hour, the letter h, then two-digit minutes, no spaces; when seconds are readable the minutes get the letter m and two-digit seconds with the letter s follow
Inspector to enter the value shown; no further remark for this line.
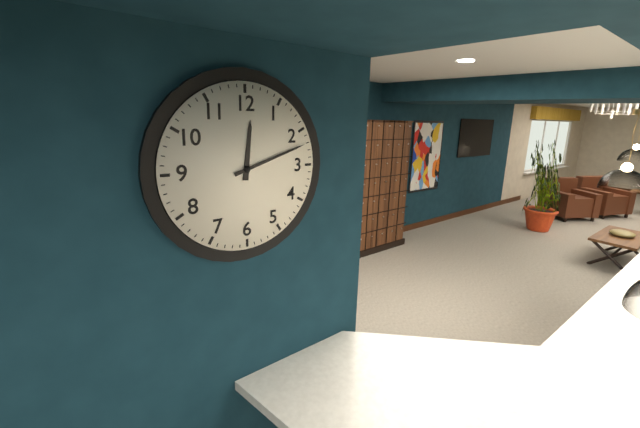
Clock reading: 12h12
